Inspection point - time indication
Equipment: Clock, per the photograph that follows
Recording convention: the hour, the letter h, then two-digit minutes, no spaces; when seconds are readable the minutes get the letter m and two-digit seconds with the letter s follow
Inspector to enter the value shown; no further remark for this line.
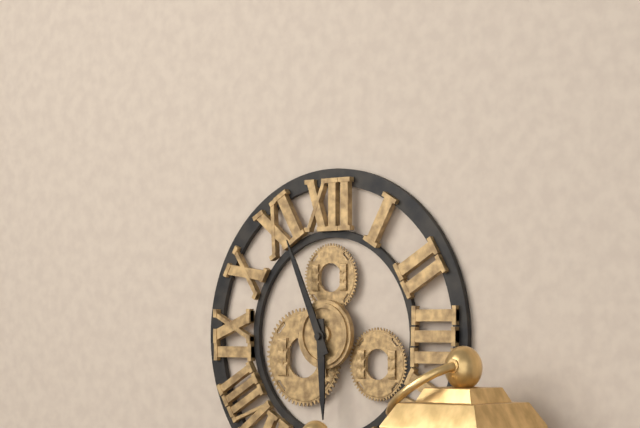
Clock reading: 5h56
